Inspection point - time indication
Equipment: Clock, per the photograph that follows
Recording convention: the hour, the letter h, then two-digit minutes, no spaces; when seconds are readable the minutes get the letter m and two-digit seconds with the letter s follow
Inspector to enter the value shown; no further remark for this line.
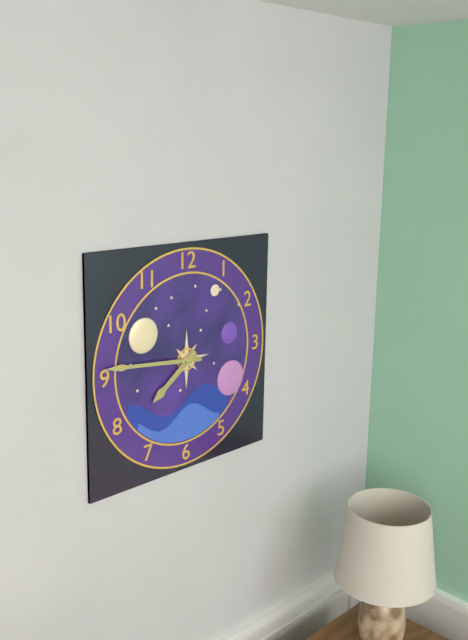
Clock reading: 7h46
